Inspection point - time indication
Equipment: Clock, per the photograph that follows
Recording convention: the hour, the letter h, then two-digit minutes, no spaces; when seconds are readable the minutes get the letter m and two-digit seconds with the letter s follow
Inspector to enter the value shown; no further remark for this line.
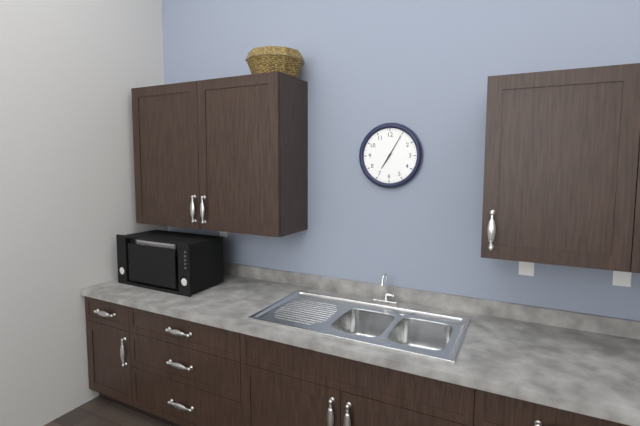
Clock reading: 7h05
